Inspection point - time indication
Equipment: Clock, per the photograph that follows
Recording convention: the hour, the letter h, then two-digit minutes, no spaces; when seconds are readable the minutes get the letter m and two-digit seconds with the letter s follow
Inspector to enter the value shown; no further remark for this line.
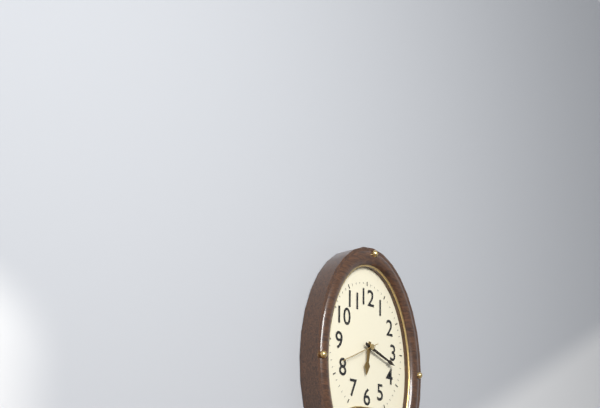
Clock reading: 6h18
